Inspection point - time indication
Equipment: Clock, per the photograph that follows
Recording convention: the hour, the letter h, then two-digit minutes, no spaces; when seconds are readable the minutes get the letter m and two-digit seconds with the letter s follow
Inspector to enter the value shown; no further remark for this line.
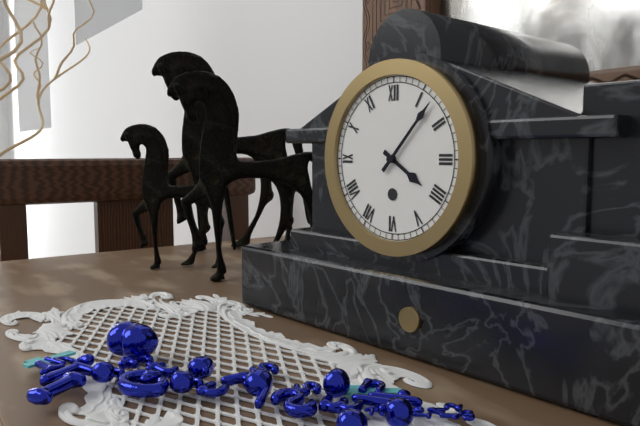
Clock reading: 4h07
